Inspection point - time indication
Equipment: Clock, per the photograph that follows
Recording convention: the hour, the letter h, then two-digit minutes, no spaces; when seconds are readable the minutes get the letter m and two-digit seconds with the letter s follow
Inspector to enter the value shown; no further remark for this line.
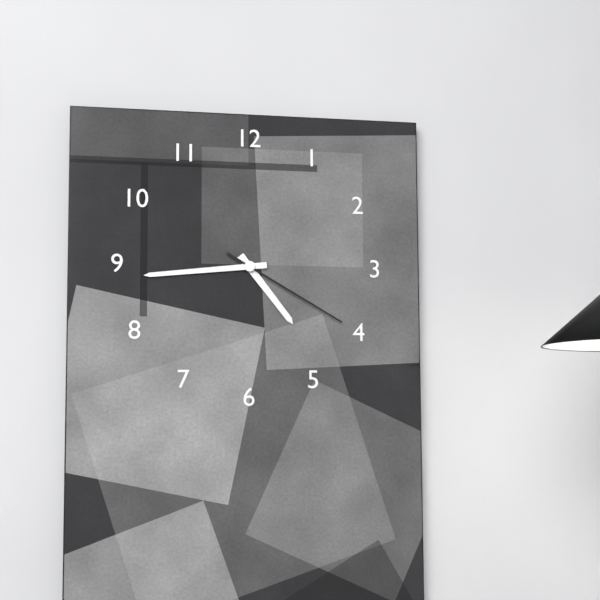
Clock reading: 4h44m20s
